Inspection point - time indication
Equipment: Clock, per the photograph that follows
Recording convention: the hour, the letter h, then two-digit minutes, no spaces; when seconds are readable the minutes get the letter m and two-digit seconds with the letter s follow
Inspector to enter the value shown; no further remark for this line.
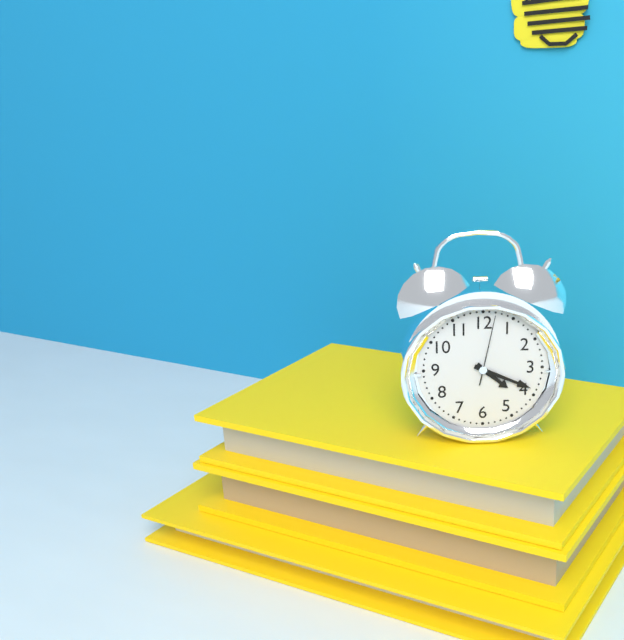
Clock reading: 4h19m02s
